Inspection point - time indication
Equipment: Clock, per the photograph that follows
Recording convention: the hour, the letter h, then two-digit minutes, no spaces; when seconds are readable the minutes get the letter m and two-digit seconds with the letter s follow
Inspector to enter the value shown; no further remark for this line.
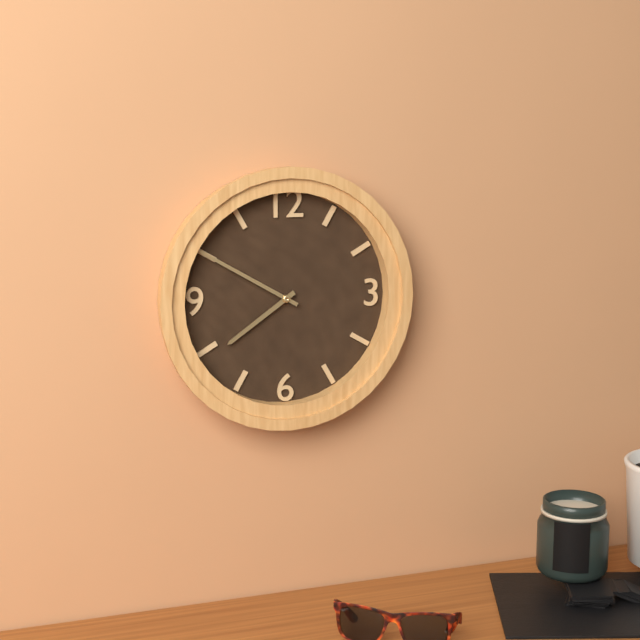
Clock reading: 7h50
